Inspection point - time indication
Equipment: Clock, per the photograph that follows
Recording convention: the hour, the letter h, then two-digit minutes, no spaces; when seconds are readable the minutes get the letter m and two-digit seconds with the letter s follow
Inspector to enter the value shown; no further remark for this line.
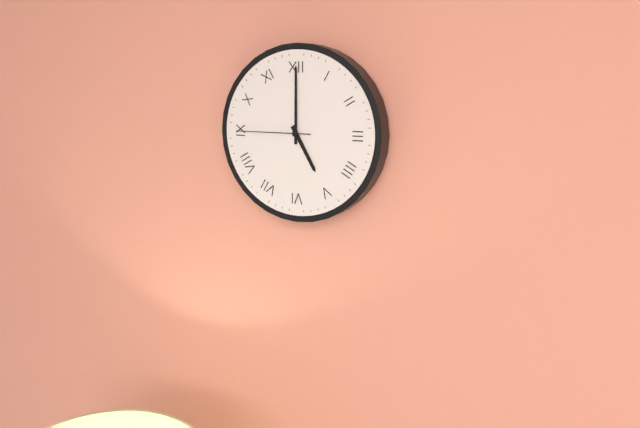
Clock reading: 5h00m45s
